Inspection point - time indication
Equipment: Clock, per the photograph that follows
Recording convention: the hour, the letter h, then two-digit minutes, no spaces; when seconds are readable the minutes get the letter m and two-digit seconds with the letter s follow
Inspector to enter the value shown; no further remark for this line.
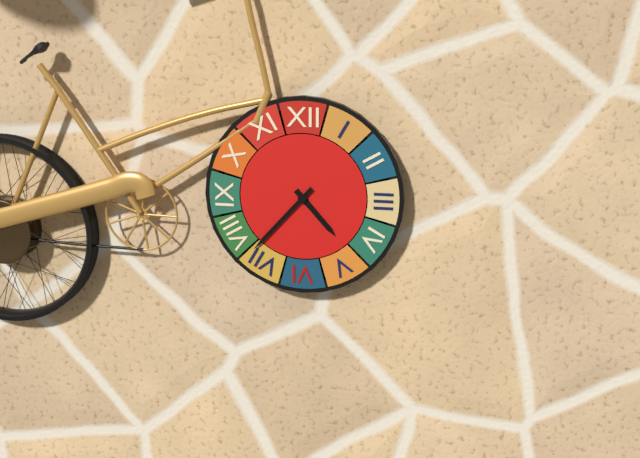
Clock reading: 4h37
